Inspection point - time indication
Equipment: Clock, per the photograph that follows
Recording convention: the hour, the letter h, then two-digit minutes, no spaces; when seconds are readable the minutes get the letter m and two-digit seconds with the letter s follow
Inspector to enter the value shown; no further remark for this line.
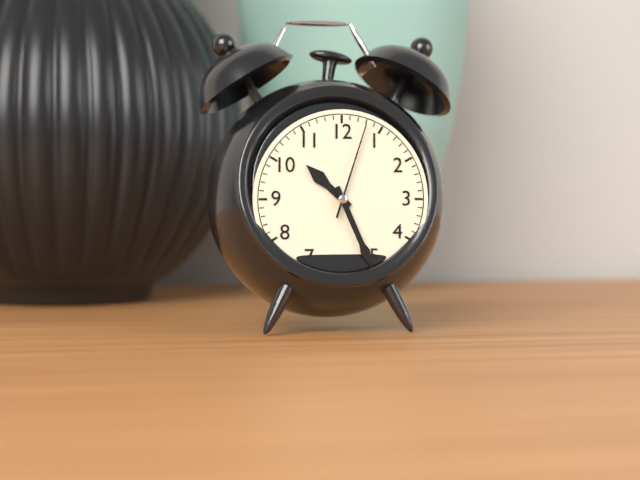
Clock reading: 10h26m03s
